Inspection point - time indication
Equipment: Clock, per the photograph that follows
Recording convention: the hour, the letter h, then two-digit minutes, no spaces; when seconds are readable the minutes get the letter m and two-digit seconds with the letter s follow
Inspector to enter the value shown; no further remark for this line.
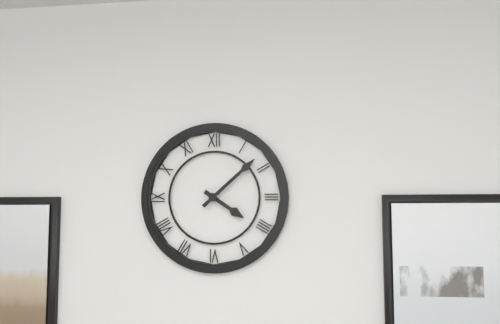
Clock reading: 4h08
